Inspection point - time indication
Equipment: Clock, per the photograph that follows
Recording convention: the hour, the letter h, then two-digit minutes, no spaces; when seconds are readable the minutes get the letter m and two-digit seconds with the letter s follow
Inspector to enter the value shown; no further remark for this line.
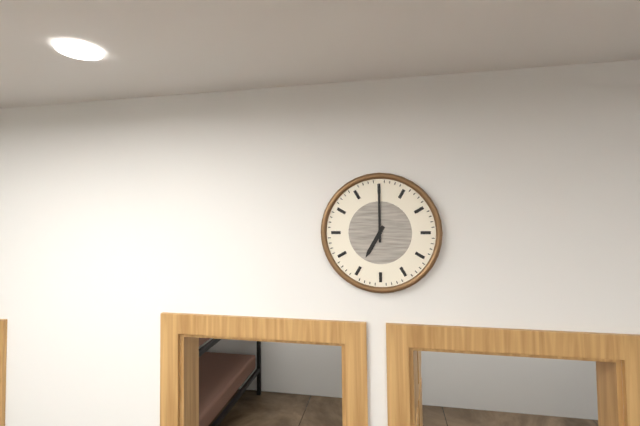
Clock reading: 7h00
